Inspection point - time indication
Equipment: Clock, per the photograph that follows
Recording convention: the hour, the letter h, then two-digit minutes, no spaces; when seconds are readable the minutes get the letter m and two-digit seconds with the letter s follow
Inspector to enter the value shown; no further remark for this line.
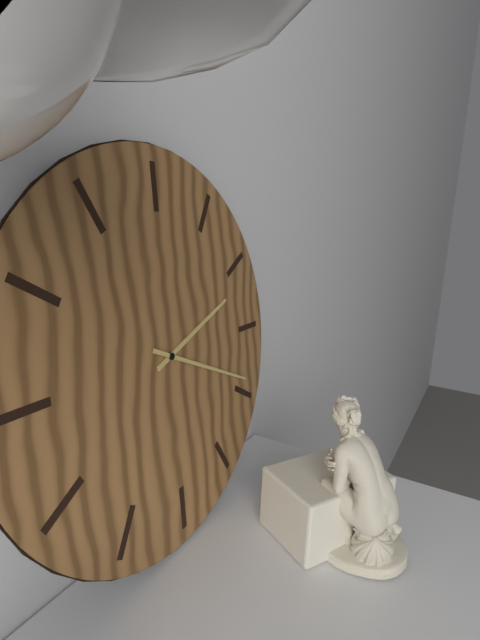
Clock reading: 2h19
